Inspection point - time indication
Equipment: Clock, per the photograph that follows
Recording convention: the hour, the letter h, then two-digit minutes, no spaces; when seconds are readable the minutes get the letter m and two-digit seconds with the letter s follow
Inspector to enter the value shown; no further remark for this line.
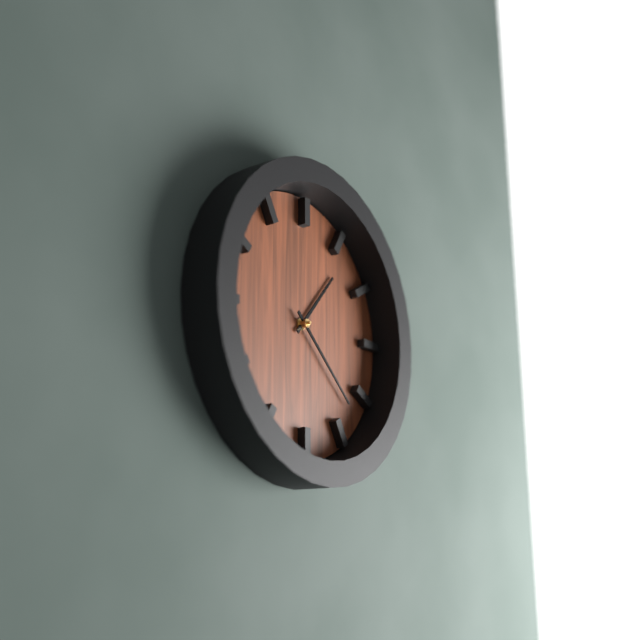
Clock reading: 1h22
